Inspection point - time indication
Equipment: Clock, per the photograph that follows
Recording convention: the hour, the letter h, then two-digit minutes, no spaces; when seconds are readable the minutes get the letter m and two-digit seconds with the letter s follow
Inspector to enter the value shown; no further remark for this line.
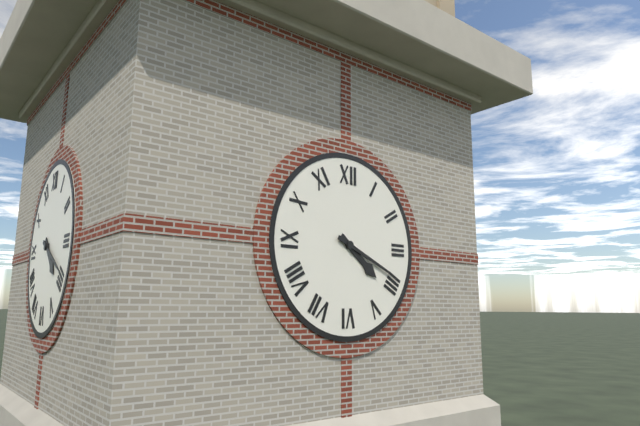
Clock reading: 4h19
